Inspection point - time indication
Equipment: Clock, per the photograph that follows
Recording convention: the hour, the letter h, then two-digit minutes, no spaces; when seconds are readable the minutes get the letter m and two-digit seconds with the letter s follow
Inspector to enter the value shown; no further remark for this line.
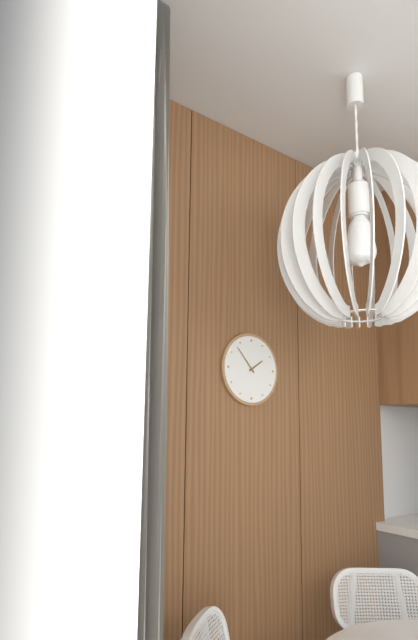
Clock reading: 1h53
